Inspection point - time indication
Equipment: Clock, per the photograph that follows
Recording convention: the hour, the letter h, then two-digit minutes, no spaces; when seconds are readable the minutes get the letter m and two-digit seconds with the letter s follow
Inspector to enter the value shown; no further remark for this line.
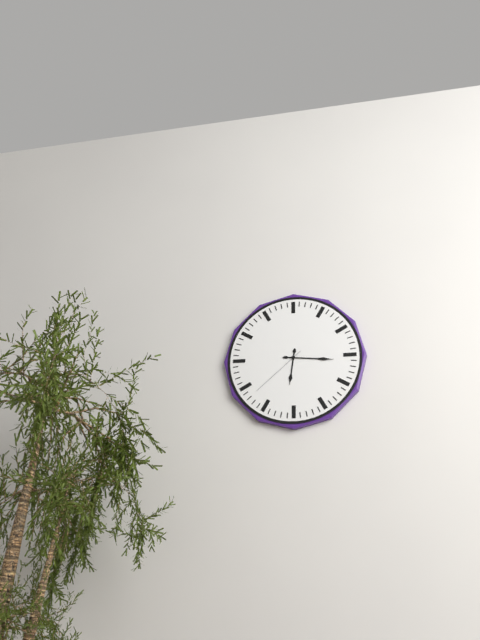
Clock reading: 6h16m38s
